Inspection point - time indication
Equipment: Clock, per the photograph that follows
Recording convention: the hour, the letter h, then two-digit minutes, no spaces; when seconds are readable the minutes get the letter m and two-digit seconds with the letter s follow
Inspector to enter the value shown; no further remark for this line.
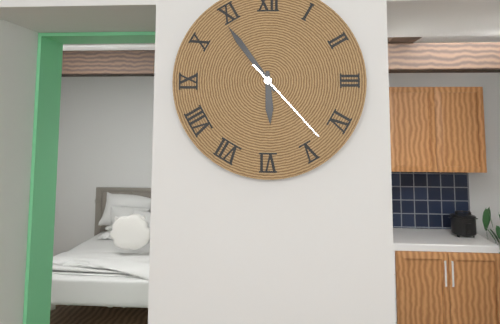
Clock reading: 5h54m23s
